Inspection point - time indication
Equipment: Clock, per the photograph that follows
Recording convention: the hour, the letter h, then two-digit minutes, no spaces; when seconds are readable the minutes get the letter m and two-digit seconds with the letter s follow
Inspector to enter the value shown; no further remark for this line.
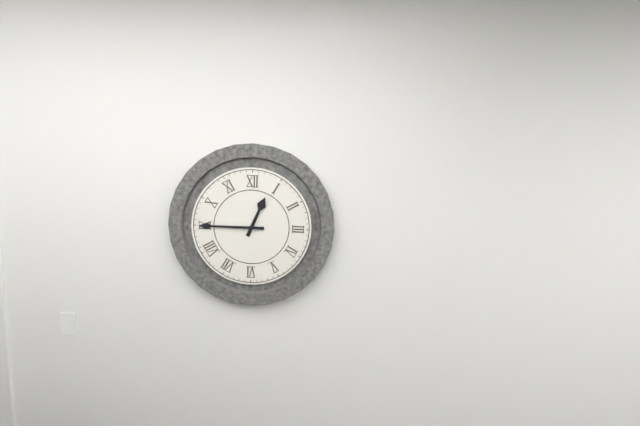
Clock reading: 12h45
